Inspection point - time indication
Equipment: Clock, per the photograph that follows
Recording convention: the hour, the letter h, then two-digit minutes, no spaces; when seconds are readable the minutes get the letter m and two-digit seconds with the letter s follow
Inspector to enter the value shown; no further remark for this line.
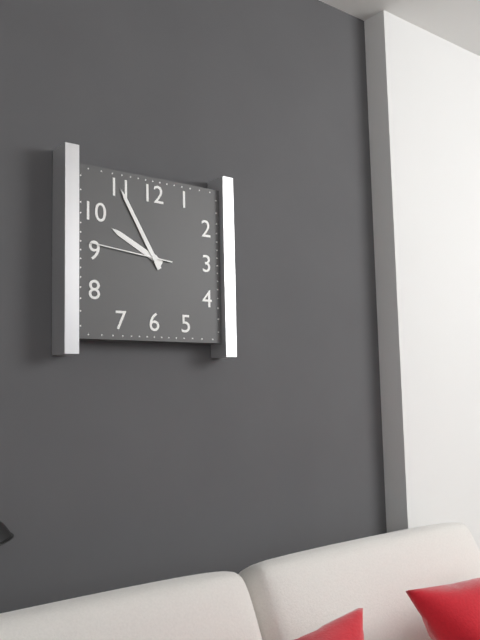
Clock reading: 9h55m46s
